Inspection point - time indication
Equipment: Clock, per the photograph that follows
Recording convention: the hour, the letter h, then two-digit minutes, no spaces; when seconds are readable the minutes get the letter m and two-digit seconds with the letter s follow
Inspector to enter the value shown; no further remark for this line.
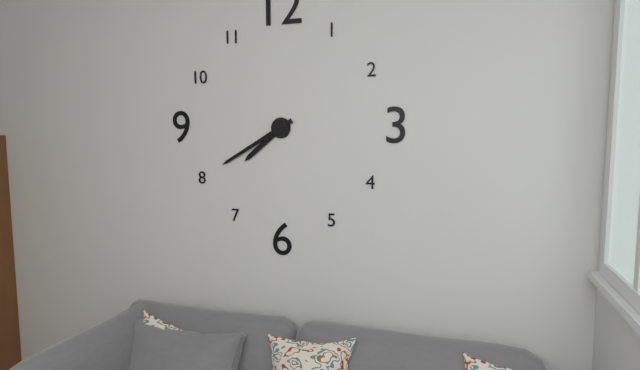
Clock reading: 7h40
